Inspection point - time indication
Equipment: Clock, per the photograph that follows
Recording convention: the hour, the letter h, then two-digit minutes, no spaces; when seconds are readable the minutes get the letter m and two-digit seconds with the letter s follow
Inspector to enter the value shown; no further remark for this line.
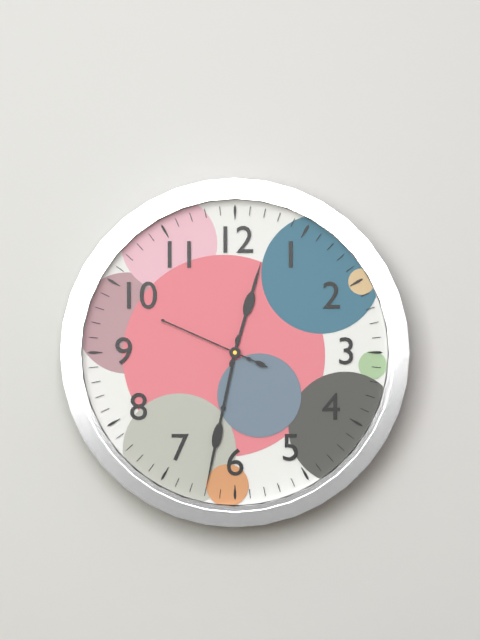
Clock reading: 12h32m49s
